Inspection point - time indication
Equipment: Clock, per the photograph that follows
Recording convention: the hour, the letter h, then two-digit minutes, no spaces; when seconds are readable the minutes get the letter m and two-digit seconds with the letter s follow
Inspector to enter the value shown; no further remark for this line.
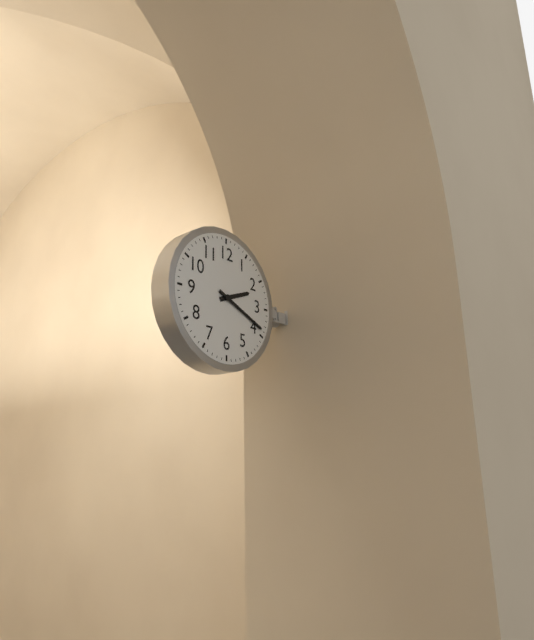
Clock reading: 2h19
